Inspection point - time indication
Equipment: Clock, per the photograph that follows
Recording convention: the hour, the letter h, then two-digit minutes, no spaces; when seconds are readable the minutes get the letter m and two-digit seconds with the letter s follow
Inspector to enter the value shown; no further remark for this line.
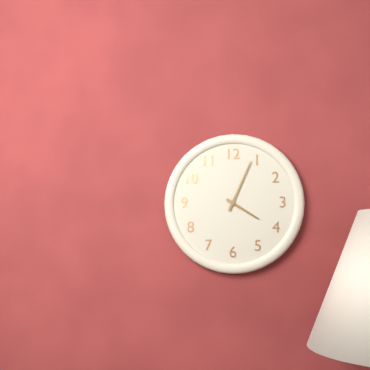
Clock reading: 4h04
